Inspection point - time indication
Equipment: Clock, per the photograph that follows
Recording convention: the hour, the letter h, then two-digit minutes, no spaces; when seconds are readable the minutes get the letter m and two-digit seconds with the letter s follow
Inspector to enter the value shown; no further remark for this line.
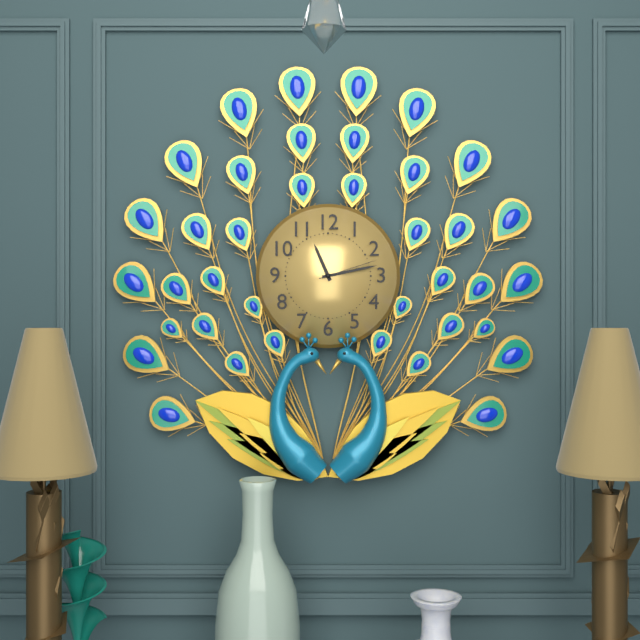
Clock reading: 11h13m12s
